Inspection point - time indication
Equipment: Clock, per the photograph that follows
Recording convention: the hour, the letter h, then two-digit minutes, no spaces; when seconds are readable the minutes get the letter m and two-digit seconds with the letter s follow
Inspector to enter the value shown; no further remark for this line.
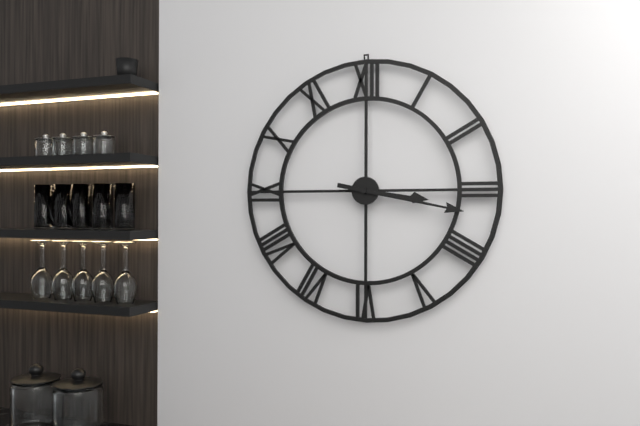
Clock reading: 3h17
